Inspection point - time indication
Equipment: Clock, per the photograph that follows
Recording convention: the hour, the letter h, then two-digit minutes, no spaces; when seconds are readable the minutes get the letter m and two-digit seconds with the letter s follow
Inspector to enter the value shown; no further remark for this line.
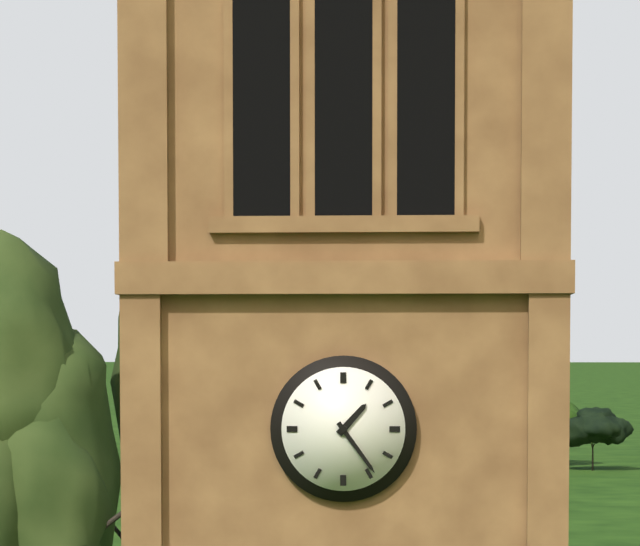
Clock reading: 1h24
